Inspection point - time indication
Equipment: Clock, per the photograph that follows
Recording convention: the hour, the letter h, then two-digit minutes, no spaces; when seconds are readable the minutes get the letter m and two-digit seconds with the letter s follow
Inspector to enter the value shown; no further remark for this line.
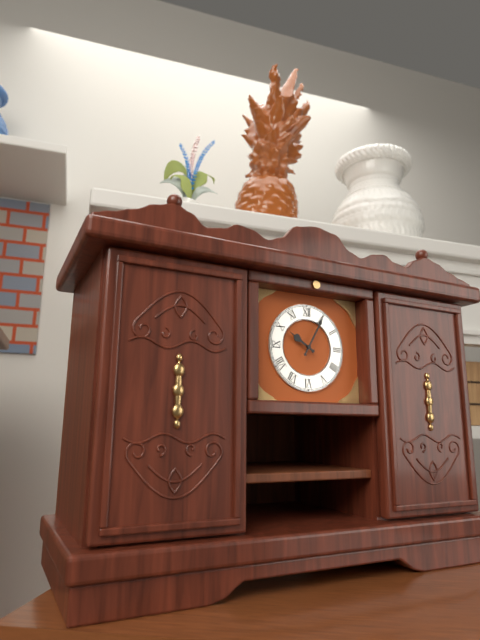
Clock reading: 10h05
